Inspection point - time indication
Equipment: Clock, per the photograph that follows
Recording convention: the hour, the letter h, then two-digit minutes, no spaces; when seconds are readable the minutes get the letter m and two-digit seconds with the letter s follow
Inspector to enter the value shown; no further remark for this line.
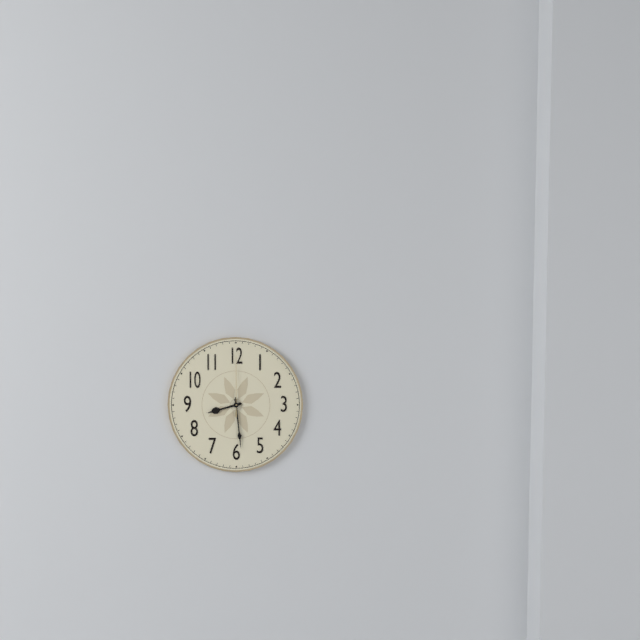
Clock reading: 8h29m00s
